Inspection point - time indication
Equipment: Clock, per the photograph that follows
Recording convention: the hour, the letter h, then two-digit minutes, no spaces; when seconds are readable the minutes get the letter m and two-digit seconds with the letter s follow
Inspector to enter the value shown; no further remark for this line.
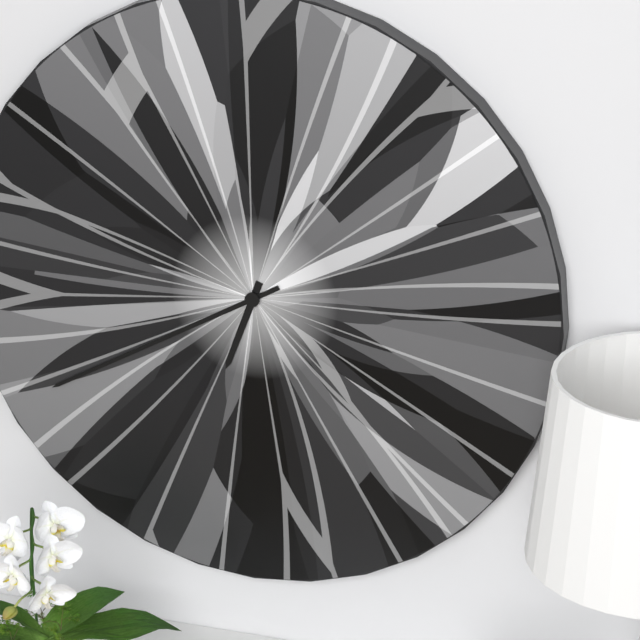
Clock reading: 6h40
